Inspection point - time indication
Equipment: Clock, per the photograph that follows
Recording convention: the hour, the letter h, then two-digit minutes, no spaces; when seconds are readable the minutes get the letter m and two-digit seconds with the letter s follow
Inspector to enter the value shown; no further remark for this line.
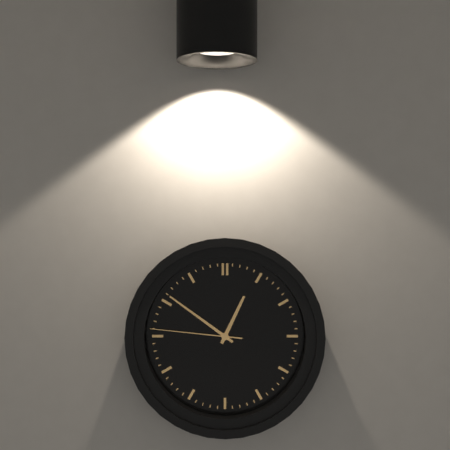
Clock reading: 12h51m46s
